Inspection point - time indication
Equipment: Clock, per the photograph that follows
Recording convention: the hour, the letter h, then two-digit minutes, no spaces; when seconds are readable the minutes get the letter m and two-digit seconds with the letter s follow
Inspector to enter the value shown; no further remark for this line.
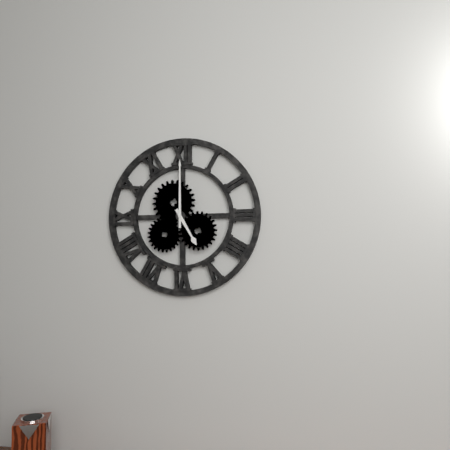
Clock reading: 5h00
